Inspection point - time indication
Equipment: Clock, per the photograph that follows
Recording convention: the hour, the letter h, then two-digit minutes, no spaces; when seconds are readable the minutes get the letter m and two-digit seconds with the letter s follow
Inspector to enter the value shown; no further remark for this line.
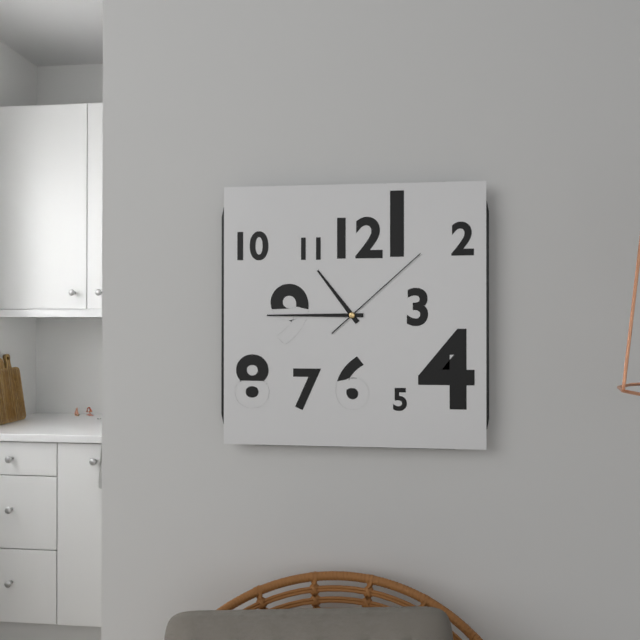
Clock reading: 10h45m08s
